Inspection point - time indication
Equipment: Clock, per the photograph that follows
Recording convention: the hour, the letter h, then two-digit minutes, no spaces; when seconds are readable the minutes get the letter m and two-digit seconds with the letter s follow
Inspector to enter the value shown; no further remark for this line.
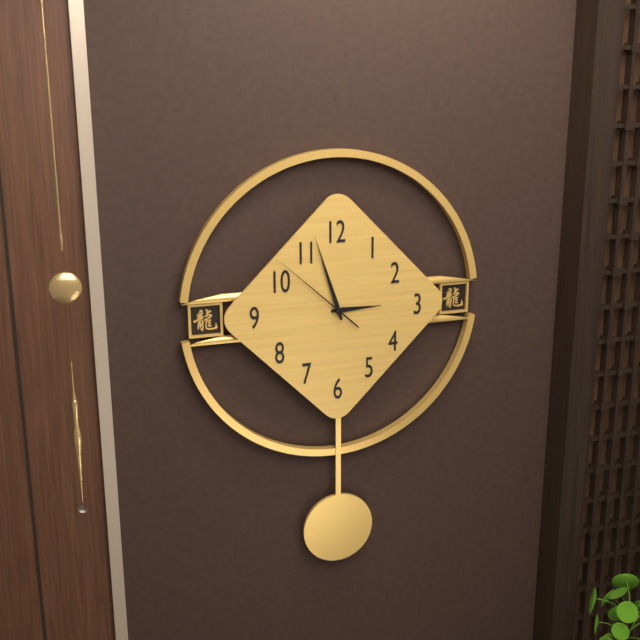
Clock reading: 2h57m52s
